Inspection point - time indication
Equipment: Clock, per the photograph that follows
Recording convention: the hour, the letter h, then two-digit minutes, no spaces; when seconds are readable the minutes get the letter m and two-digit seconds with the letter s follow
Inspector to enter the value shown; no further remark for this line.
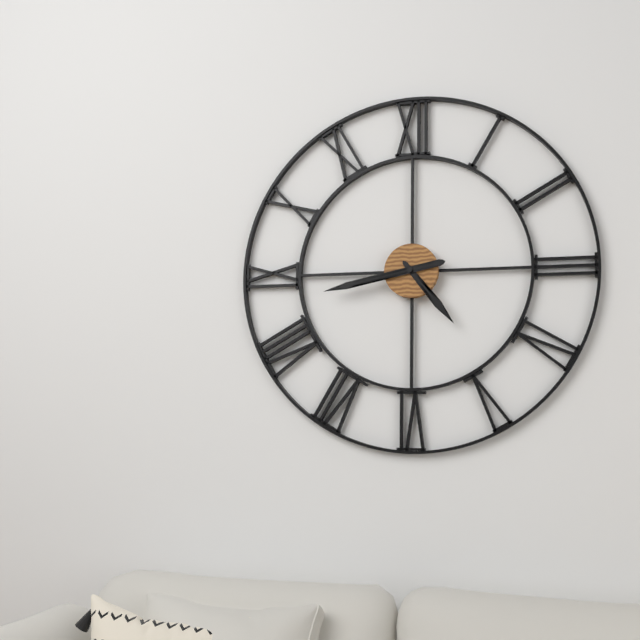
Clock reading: 4h43
